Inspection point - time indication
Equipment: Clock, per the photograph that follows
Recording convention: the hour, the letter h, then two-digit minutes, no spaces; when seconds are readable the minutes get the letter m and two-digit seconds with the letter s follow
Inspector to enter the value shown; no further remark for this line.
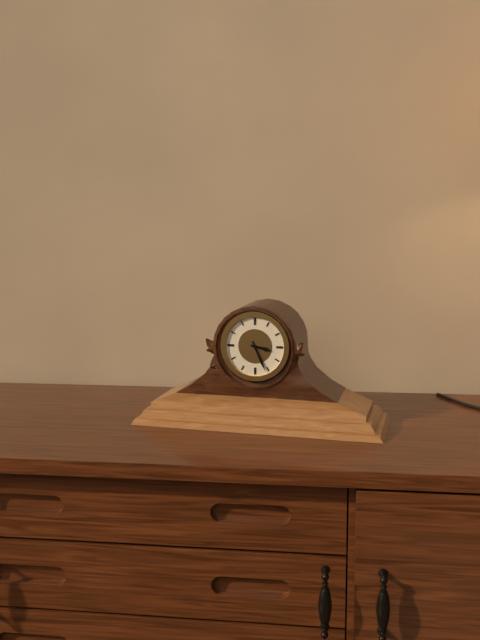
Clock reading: 3h26
